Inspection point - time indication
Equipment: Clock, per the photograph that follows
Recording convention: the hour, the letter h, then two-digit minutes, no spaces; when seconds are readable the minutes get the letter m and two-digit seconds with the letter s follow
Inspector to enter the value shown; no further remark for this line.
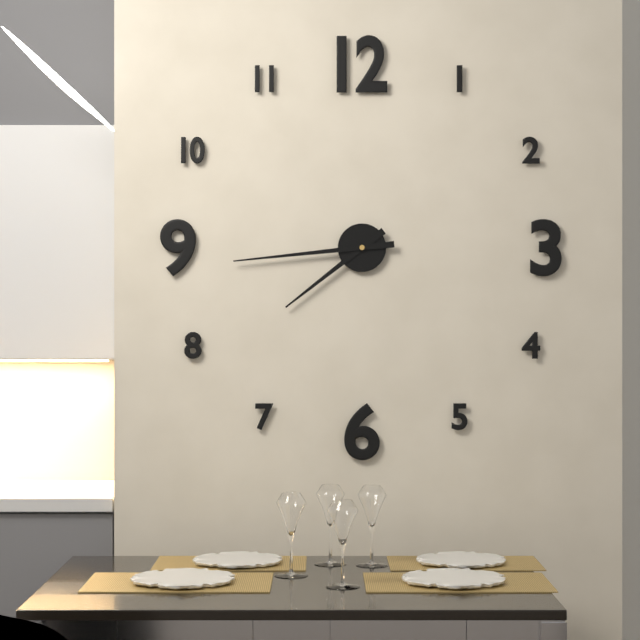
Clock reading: 7h44
